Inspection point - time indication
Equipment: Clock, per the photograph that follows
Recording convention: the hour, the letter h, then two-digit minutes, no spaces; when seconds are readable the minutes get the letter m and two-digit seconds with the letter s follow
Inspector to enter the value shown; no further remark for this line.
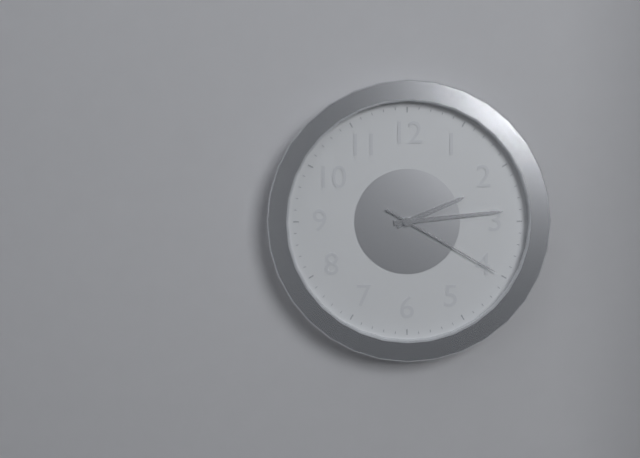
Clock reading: 2h14m20s
